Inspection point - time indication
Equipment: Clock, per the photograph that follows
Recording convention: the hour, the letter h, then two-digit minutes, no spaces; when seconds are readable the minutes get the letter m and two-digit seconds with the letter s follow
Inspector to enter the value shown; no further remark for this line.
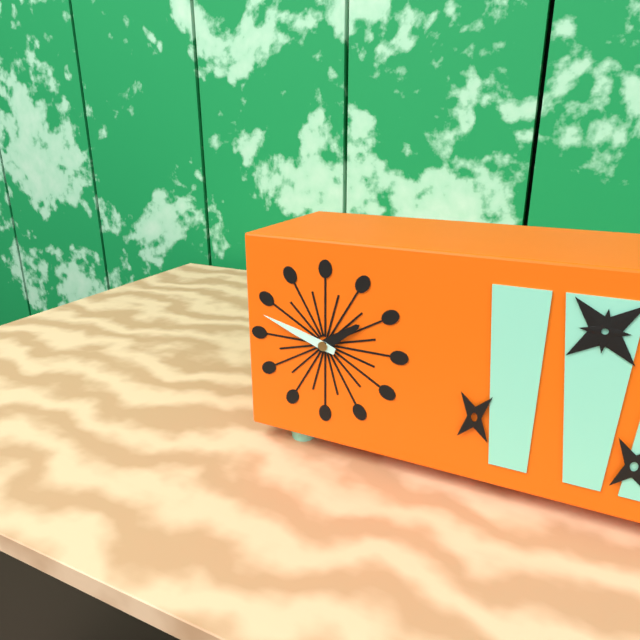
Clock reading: 1h48
